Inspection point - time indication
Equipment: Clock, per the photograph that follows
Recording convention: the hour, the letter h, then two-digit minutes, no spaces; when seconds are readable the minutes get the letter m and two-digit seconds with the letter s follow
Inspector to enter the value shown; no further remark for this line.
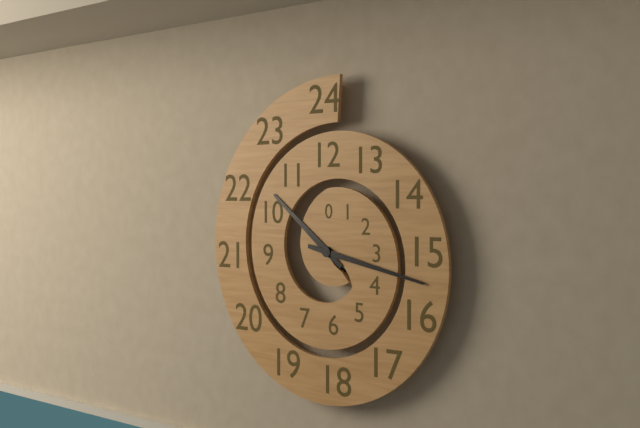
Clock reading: 10h17
